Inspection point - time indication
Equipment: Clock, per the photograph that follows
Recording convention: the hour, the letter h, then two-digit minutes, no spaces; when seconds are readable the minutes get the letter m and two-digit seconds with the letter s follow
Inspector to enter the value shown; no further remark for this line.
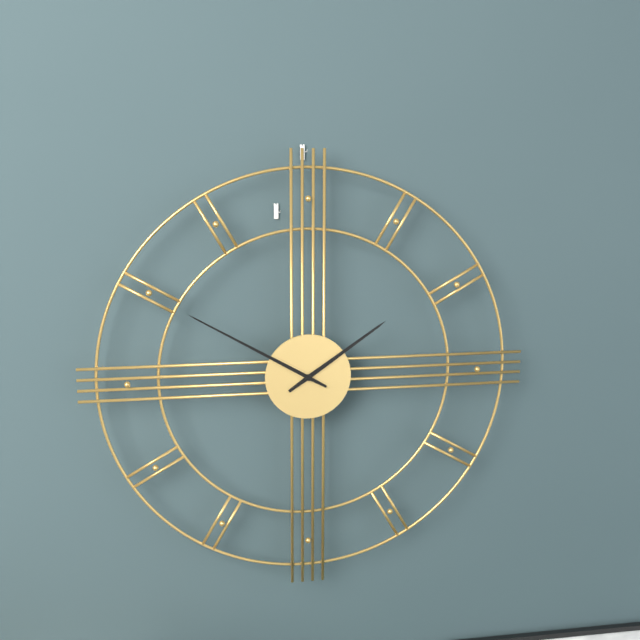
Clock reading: 1h50
